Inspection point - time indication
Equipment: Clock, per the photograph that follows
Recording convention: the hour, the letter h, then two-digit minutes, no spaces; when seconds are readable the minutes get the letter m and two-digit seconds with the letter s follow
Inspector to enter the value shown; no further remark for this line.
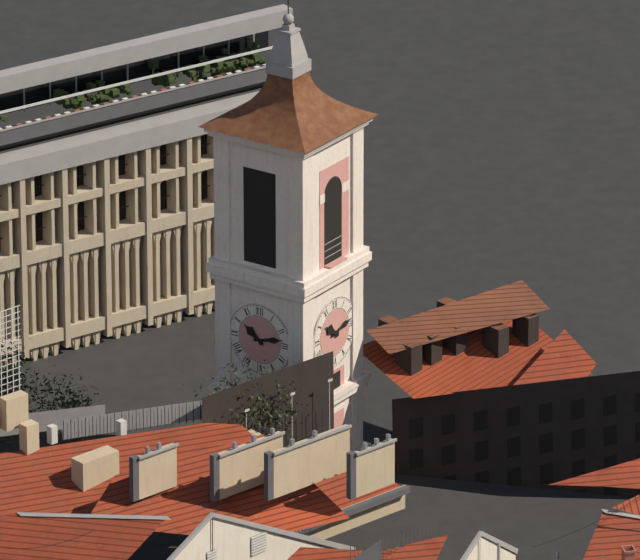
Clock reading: 10h13
